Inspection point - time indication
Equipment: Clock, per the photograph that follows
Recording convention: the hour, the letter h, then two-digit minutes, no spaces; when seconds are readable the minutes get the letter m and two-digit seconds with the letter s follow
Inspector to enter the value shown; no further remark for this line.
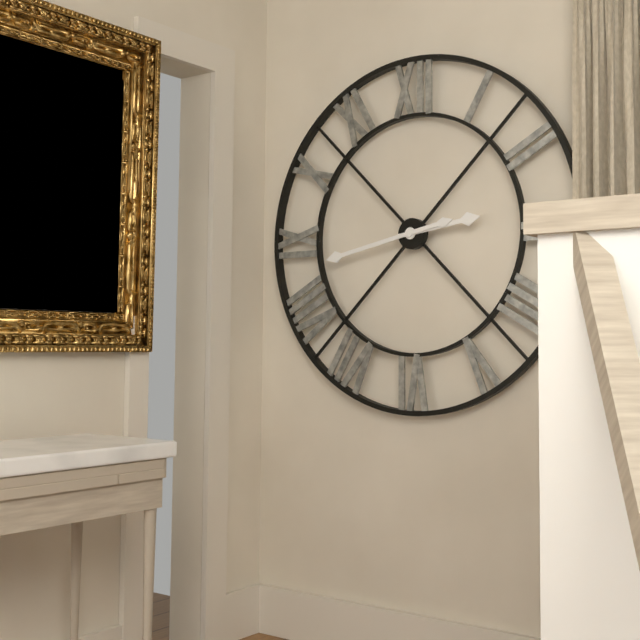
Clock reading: 2h43
